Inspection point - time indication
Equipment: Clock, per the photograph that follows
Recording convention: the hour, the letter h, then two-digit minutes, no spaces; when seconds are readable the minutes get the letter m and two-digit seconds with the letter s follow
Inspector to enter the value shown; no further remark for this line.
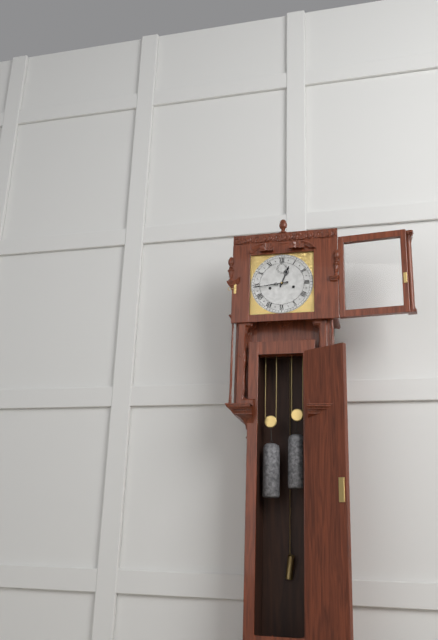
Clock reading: 12h44
